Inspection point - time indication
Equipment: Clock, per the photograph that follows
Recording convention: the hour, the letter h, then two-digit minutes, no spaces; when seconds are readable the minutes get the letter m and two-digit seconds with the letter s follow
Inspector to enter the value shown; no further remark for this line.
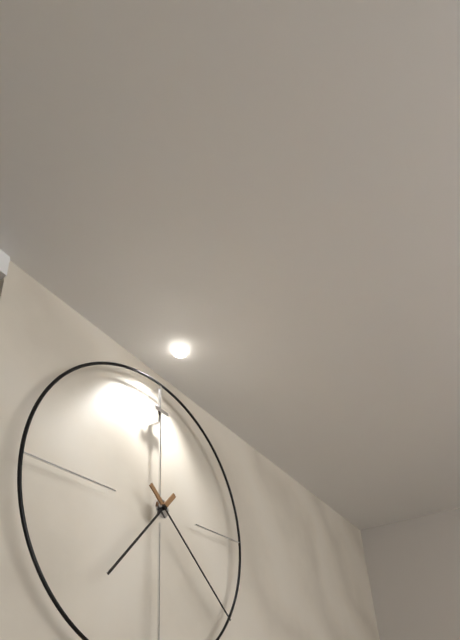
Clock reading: 7h22
